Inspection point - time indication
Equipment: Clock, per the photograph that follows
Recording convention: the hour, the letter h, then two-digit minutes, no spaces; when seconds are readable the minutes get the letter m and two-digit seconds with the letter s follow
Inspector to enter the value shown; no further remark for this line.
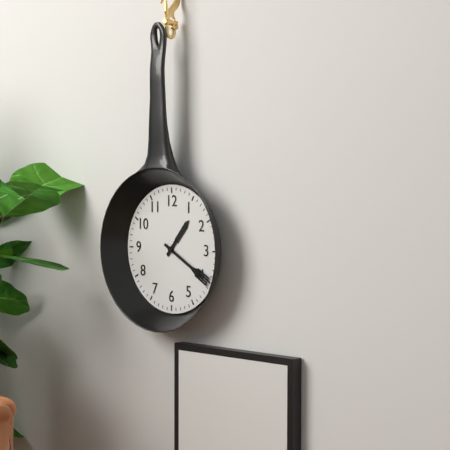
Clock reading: 1h20
